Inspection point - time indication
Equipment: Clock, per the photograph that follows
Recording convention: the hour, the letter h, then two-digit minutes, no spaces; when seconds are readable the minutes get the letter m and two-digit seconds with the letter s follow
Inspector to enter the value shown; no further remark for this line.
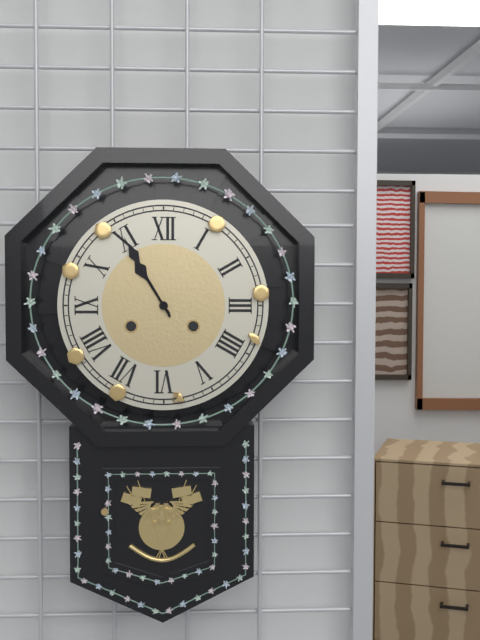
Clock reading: 10h55
